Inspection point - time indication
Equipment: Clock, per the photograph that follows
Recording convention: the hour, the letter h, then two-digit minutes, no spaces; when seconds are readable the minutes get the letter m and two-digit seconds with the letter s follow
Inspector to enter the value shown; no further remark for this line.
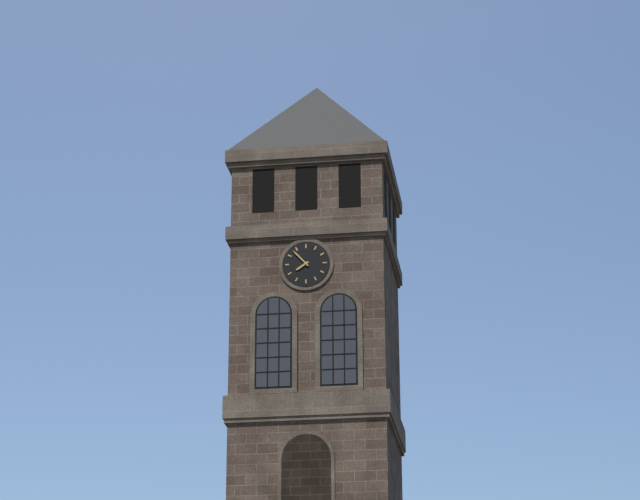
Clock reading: 7h53
